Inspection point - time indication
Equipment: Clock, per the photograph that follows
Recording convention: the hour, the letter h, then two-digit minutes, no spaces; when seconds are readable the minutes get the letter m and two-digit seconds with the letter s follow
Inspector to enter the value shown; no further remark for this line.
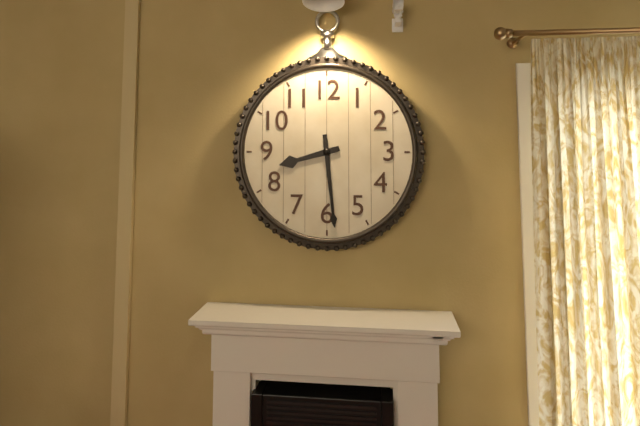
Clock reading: 8h29
